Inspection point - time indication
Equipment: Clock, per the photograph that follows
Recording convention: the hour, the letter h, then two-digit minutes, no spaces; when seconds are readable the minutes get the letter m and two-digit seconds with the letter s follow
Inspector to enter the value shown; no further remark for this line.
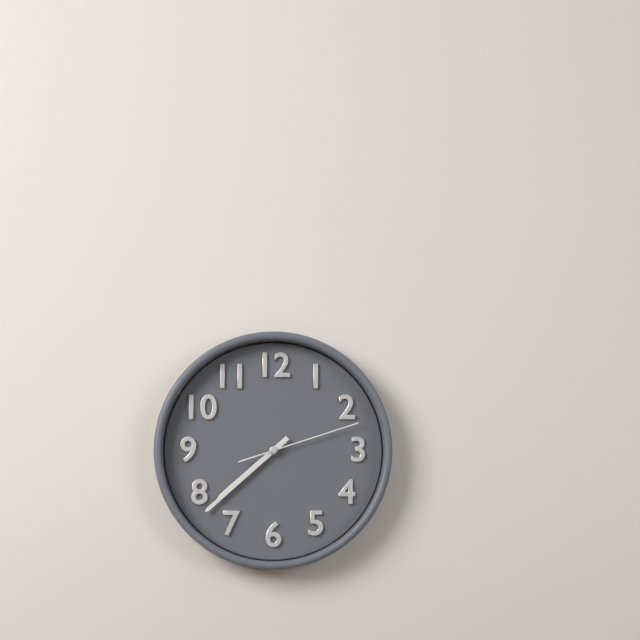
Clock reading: 7h38m12s
